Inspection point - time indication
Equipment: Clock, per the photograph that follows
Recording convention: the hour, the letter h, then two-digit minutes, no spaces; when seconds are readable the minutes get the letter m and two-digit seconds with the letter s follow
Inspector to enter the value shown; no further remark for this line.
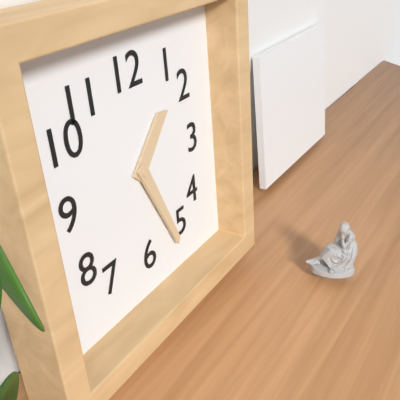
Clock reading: 1h26
